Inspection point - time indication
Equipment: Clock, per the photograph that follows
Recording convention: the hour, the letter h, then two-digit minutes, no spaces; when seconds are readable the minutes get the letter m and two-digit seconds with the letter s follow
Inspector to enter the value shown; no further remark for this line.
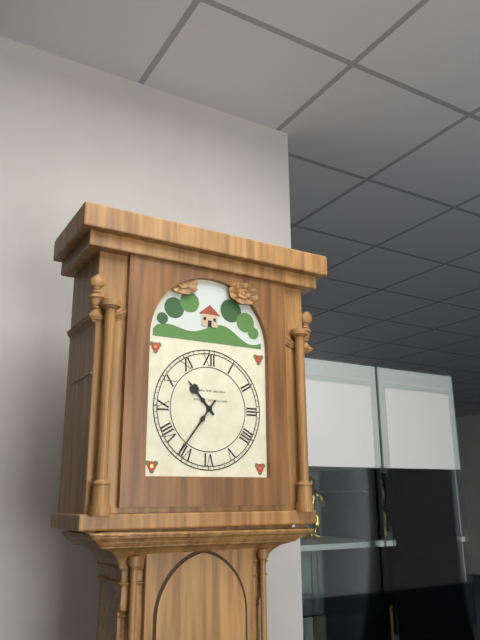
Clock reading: 10h36
